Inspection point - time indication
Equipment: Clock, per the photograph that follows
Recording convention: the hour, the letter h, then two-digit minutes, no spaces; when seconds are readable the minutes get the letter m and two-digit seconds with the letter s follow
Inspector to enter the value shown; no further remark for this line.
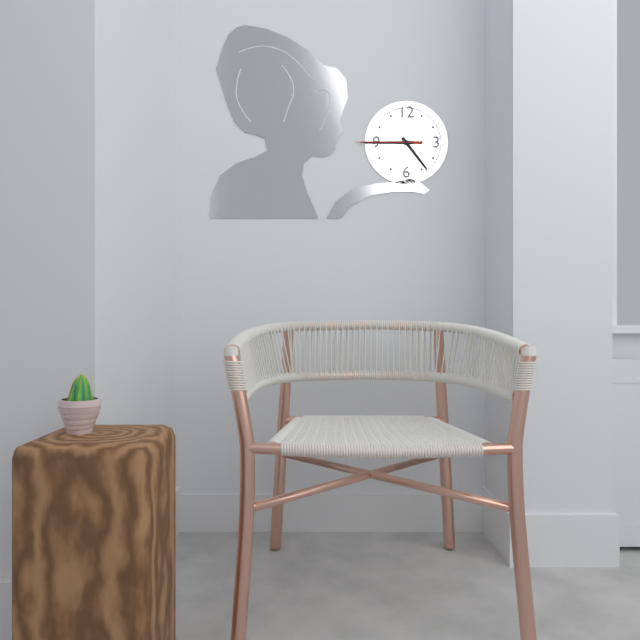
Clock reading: 4h45m45s
